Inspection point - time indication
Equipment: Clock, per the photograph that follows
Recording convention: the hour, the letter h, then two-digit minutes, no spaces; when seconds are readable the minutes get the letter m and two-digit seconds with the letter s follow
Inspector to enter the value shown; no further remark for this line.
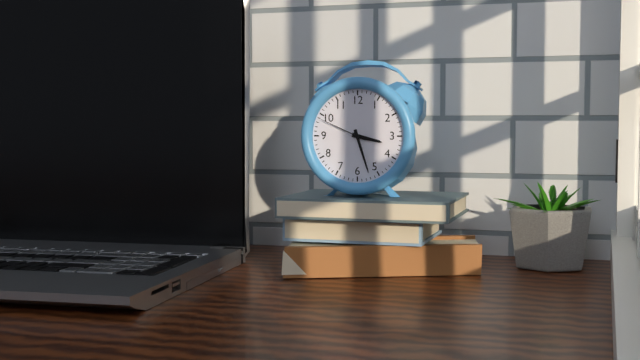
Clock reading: 3h27m49s
